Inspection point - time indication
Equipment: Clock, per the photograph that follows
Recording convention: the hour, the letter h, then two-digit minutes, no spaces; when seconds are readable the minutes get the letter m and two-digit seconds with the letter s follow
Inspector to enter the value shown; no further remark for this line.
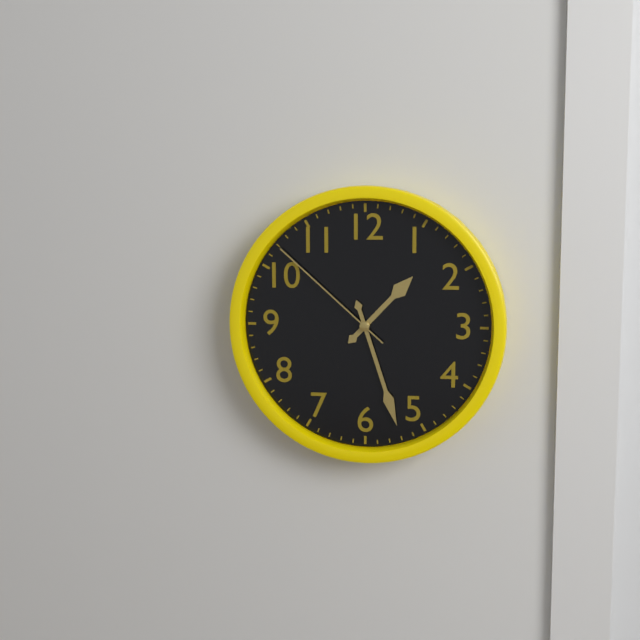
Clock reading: 1h27m52s
